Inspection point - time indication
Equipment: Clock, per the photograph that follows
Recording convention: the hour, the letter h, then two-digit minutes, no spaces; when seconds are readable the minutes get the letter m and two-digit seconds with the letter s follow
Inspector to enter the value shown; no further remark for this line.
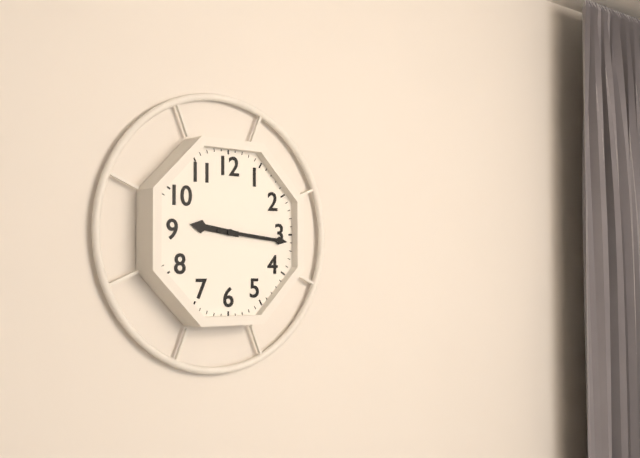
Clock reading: 9h16
